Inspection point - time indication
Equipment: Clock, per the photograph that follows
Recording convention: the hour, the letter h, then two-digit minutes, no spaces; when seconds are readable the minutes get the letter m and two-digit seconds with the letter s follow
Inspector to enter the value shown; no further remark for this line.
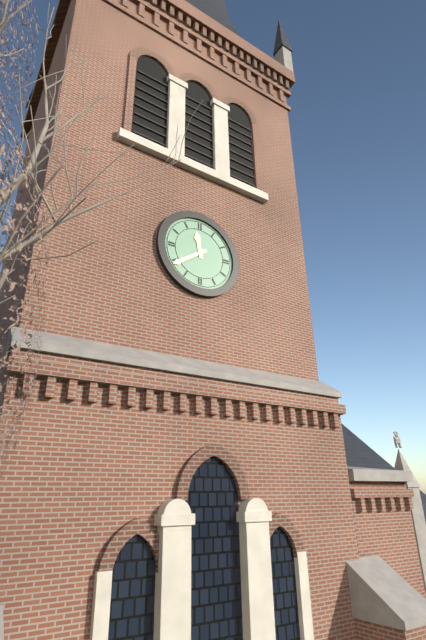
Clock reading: 11h39
